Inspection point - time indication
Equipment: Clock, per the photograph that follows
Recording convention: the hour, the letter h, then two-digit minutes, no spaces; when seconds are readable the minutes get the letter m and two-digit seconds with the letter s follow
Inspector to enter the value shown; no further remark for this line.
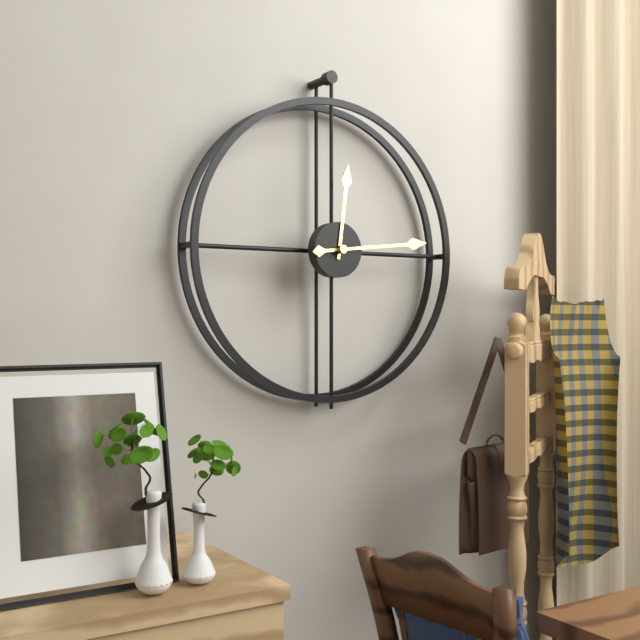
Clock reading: 12h14
